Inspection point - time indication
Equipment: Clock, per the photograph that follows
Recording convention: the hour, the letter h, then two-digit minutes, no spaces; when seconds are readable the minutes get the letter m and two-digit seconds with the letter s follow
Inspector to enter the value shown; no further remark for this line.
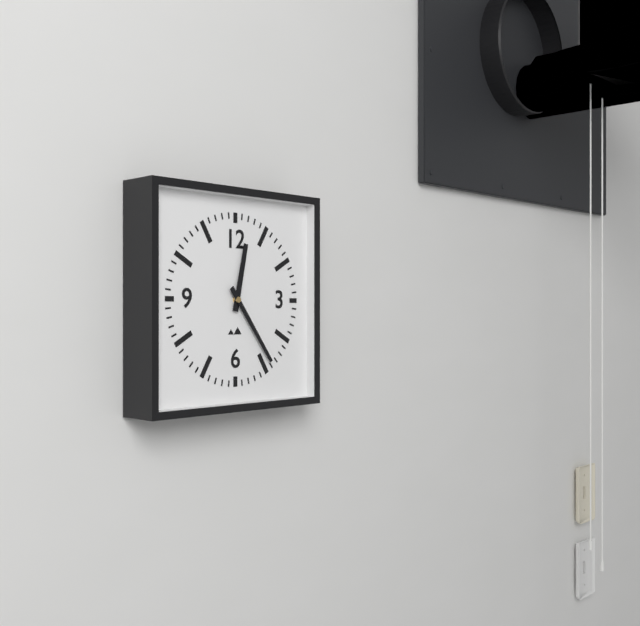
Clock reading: 12h24
